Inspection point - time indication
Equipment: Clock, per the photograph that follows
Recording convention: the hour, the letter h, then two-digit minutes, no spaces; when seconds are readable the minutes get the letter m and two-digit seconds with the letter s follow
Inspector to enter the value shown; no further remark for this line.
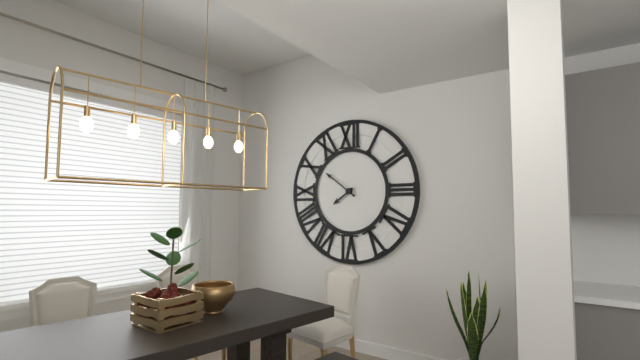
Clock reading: 7h51
